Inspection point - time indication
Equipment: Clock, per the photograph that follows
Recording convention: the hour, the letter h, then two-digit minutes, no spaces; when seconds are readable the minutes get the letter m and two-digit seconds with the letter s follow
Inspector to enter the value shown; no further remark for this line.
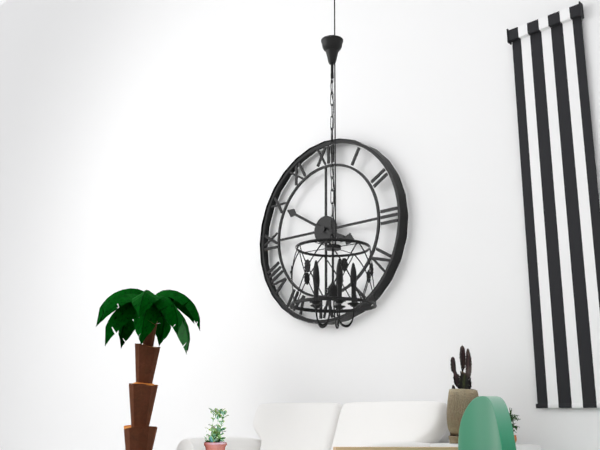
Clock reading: 3h50
